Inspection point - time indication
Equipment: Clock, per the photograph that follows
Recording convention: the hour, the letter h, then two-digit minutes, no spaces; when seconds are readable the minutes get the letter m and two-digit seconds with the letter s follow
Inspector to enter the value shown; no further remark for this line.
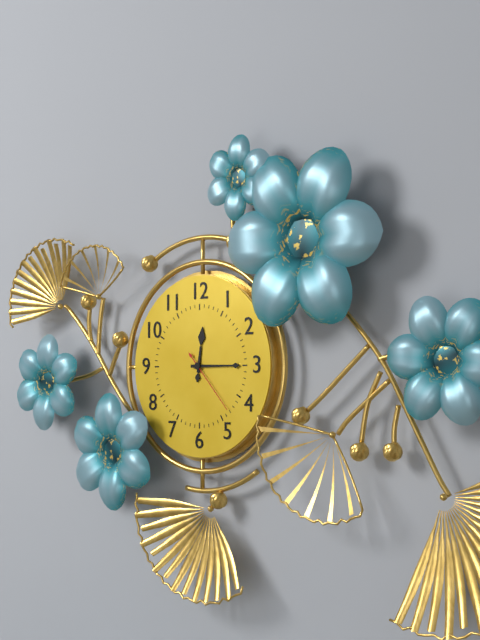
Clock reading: 12h15m23s
